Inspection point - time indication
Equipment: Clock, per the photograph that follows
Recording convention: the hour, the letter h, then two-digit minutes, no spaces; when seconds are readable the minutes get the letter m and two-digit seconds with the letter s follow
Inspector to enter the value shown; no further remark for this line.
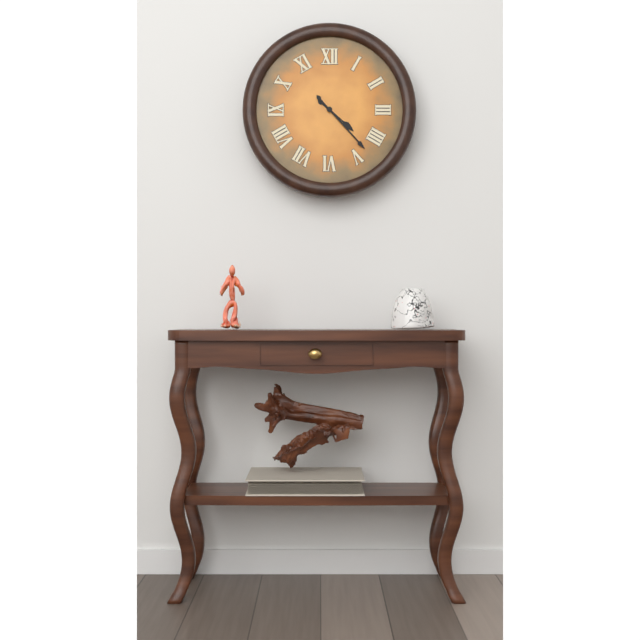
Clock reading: 4h23
